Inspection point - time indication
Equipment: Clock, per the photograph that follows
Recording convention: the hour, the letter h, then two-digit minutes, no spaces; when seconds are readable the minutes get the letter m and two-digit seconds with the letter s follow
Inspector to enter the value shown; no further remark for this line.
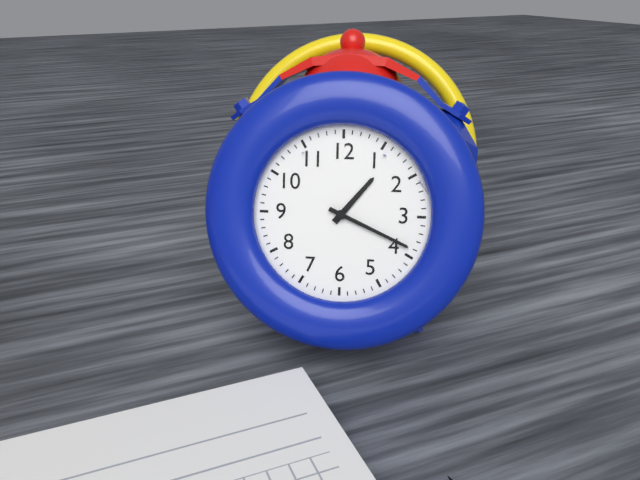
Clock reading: 1h19
